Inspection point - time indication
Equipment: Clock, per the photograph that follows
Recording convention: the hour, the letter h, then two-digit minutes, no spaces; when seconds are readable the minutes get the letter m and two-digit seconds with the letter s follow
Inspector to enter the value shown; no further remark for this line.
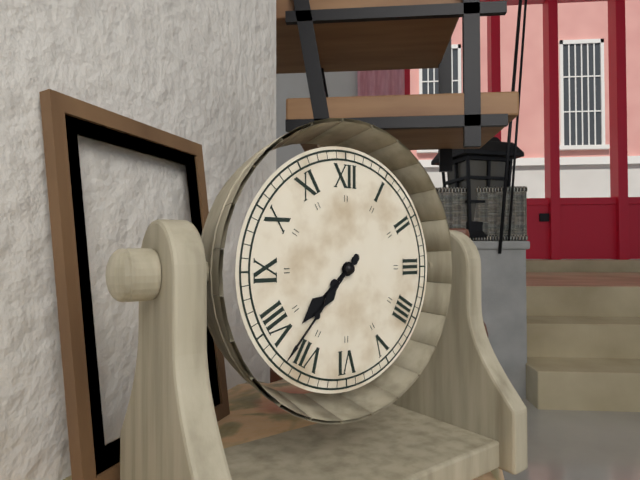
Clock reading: 7h37
